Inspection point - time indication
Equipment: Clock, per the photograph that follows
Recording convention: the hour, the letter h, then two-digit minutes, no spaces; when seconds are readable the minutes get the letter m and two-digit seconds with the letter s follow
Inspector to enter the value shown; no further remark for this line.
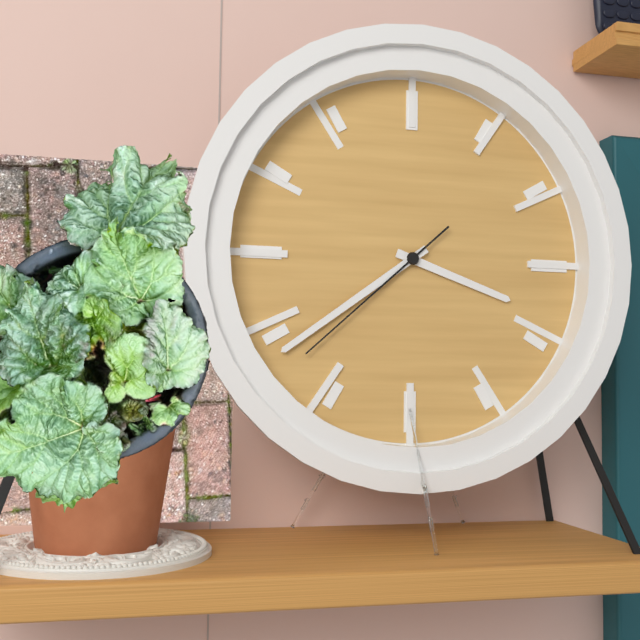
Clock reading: 3h39m38s
